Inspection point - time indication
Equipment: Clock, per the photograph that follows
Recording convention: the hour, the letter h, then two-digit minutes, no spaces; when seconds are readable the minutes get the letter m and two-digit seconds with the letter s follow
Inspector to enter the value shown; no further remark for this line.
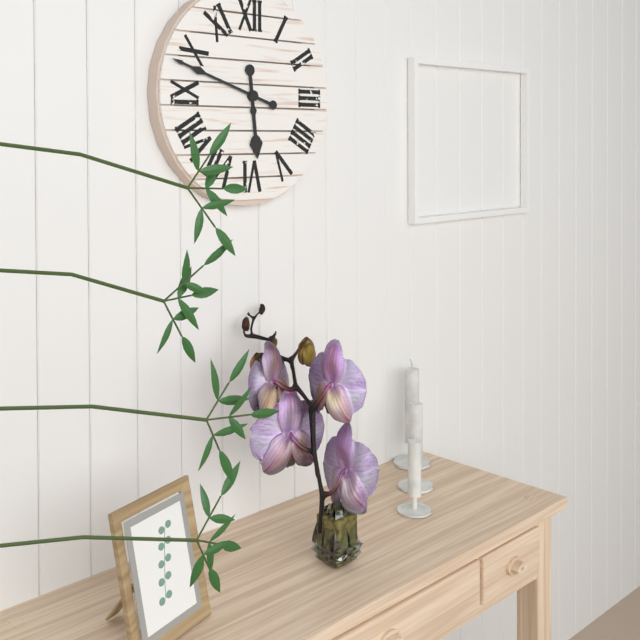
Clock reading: 5h48
